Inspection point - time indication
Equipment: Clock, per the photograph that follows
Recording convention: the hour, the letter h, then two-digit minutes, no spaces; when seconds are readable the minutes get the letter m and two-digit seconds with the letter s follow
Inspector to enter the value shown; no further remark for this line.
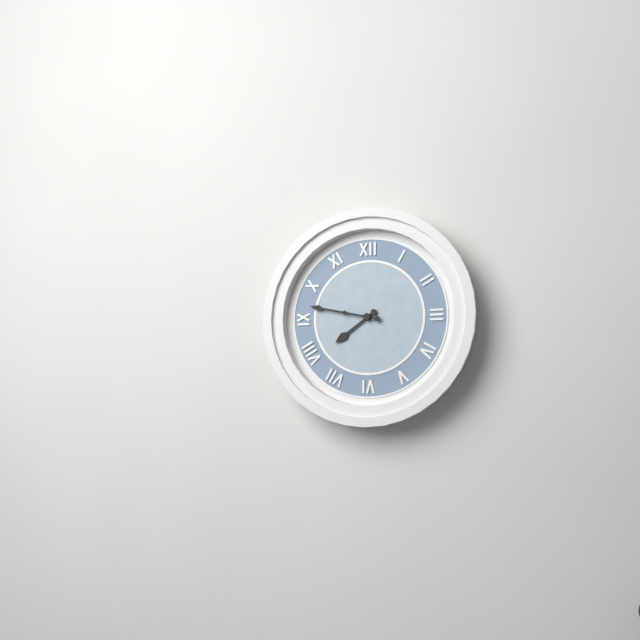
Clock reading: 7h47
